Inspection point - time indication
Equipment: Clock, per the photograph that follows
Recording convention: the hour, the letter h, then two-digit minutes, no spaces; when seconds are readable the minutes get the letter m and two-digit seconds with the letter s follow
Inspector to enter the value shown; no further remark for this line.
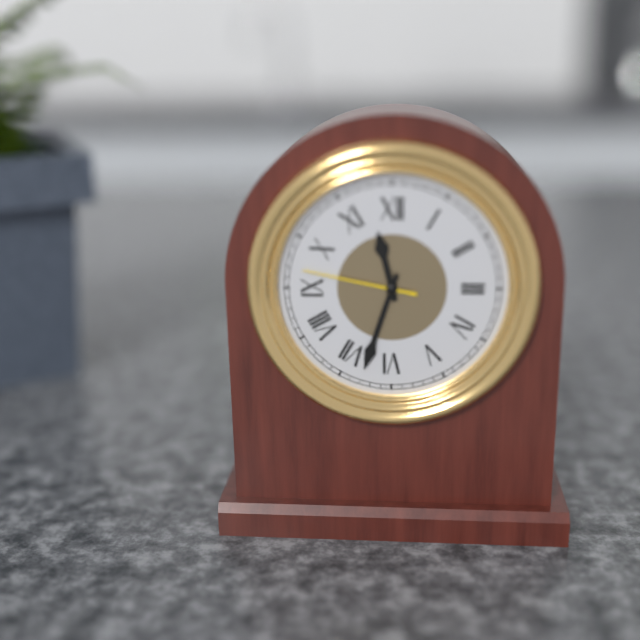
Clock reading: 11h33m47s
